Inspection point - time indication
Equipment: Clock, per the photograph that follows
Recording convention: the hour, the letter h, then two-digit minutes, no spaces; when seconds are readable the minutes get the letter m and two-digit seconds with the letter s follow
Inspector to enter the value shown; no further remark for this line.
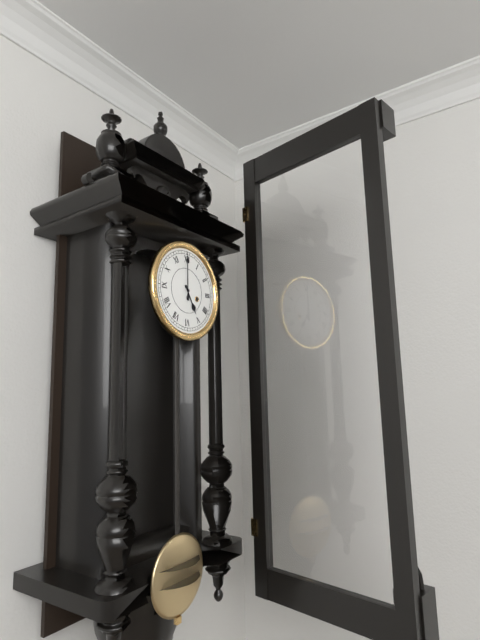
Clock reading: 5h00
